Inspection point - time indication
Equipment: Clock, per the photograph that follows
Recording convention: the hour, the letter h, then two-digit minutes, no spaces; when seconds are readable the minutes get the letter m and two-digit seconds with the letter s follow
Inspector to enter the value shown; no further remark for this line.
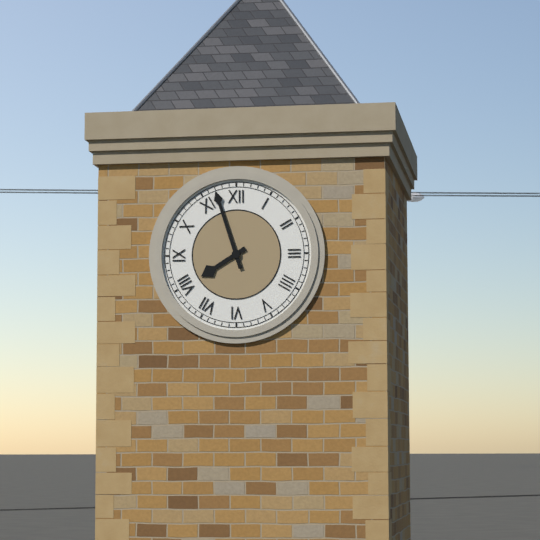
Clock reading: 7h57
